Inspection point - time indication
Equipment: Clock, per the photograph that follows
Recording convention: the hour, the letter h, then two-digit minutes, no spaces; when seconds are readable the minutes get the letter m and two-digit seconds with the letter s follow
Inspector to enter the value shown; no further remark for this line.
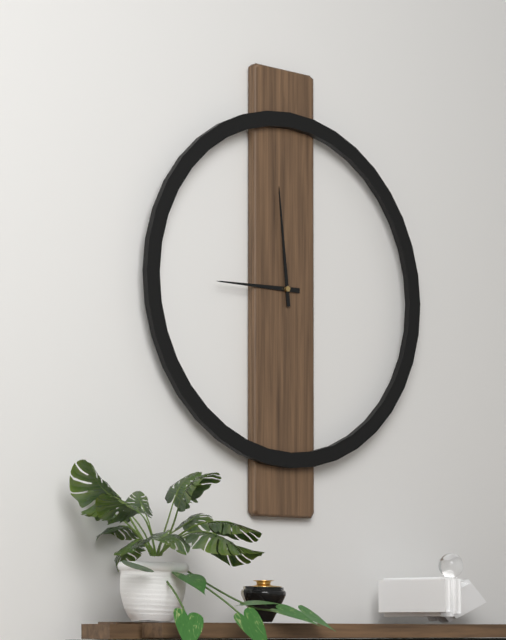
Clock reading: 8h59
